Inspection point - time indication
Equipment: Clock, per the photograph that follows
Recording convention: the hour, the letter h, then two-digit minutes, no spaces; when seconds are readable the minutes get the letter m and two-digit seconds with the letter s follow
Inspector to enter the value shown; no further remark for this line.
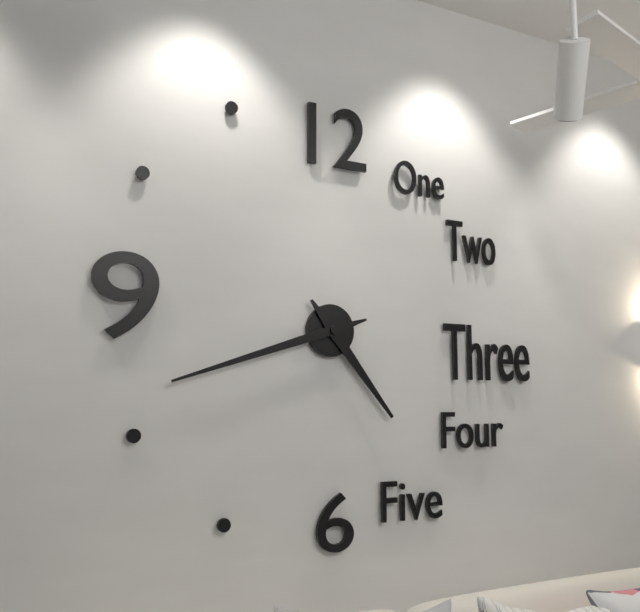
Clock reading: 4h42
